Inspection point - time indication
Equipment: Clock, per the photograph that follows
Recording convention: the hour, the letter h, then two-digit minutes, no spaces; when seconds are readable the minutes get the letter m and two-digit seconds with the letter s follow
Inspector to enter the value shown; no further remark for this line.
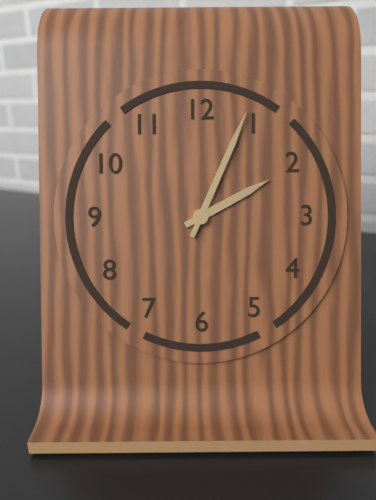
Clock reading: 2h04
